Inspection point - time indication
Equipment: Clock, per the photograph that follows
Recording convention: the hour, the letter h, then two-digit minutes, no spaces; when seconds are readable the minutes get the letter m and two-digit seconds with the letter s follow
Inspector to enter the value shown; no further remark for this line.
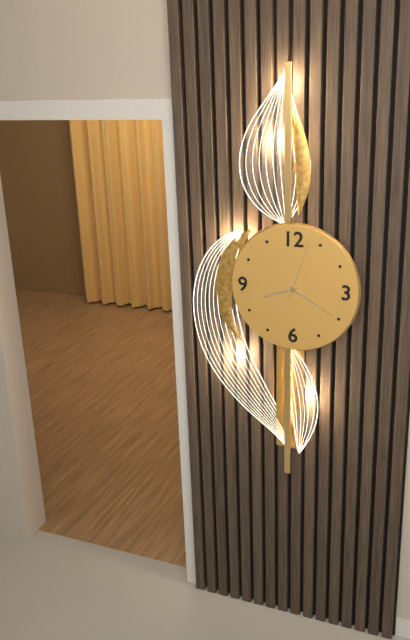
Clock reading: 8h20m03s
